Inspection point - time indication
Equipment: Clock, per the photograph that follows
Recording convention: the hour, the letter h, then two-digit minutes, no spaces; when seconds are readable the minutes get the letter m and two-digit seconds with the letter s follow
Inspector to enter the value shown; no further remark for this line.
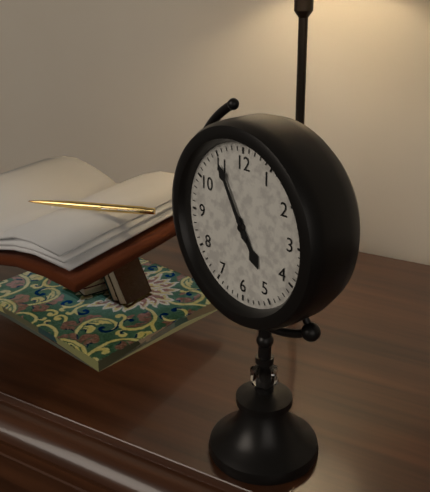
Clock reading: 4h55
